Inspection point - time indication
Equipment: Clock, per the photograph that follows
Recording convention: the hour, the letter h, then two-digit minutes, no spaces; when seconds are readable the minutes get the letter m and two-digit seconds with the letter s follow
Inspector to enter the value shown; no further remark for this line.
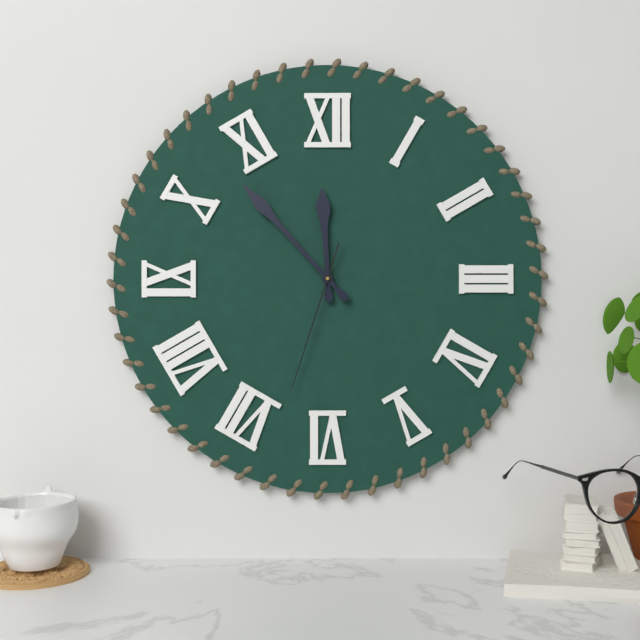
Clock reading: 11h53m33s
